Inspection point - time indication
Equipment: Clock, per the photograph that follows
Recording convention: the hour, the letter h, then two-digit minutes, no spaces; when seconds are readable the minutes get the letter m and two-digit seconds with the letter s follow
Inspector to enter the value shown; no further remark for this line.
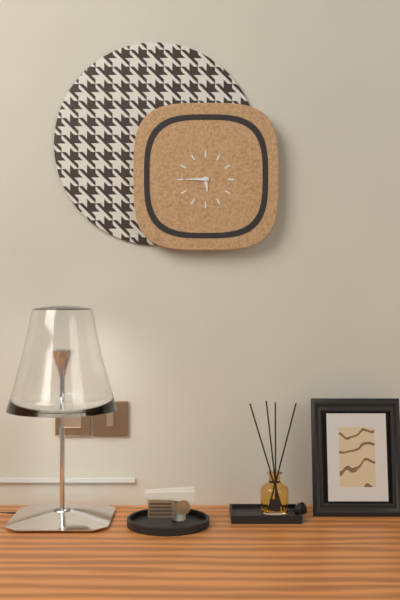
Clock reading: 5h45
